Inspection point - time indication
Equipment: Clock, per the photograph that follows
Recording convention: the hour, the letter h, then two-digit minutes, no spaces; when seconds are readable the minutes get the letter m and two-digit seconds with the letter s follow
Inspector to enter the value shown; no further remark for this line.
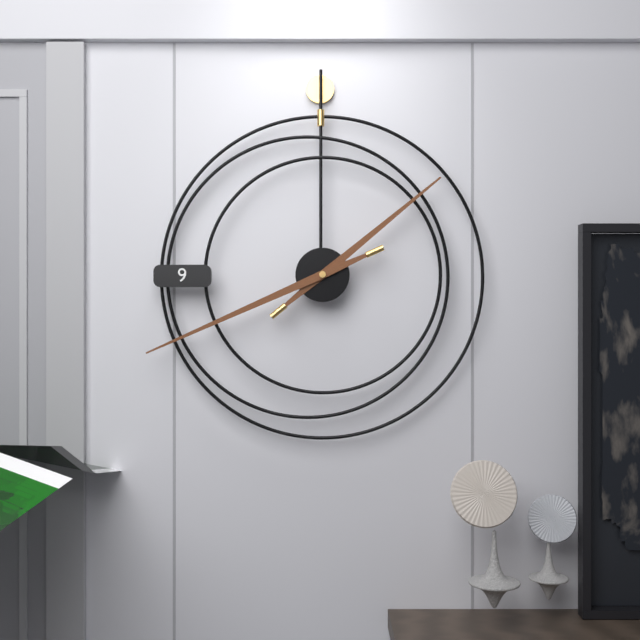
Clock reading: 1h41
